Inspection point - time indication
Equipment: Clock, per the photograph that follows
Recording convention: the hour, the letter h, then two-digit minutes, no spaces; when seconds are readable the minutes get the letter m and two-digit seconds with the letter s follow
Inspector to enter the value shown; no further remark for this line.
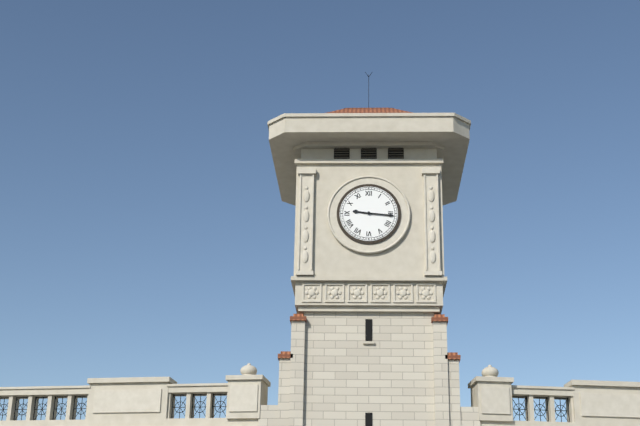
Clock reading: 9h16
